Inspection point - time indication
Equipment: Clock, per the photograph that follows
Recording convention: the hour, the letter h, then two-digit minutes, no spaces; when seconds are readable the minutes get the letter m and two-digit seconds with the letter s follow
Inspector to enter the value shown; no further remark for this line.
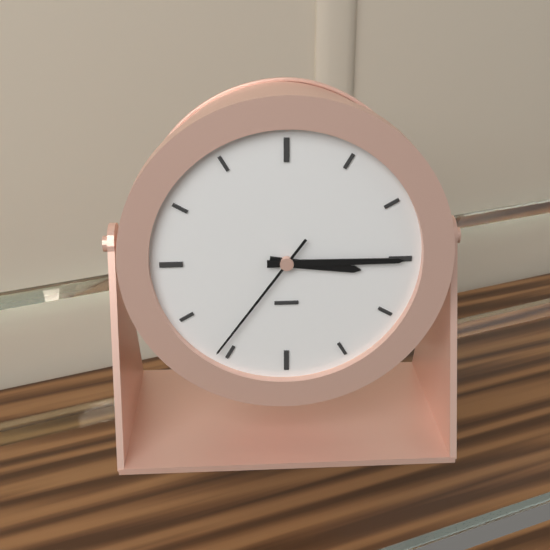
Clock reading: 3h15m36s
